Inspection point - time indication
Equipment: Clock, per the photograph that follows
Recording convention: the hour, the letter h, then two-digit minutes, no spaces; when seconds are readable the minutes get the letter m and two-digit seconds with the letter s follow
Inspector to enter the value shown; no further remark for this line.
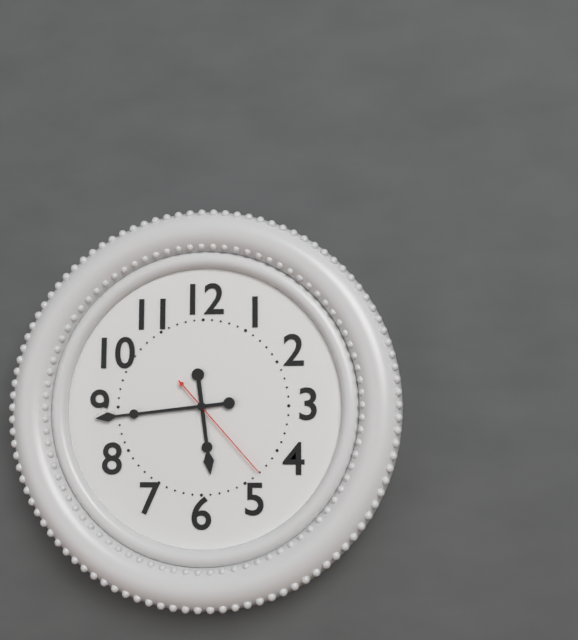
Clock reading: 5h44m23s
